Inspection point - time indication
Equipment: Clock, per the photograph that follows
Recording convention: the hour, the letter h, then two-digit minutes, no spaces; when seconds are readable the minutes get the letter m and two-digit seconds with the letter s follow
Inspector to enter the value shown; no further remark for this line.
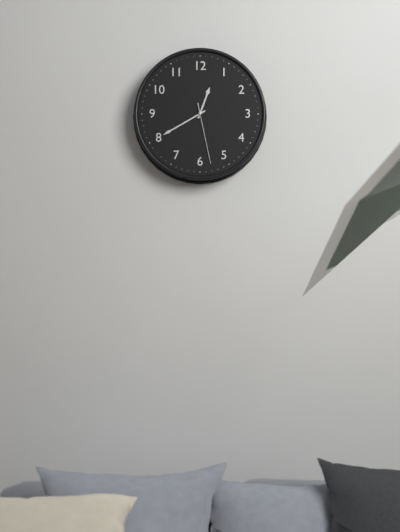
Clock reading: 12h40m28s
